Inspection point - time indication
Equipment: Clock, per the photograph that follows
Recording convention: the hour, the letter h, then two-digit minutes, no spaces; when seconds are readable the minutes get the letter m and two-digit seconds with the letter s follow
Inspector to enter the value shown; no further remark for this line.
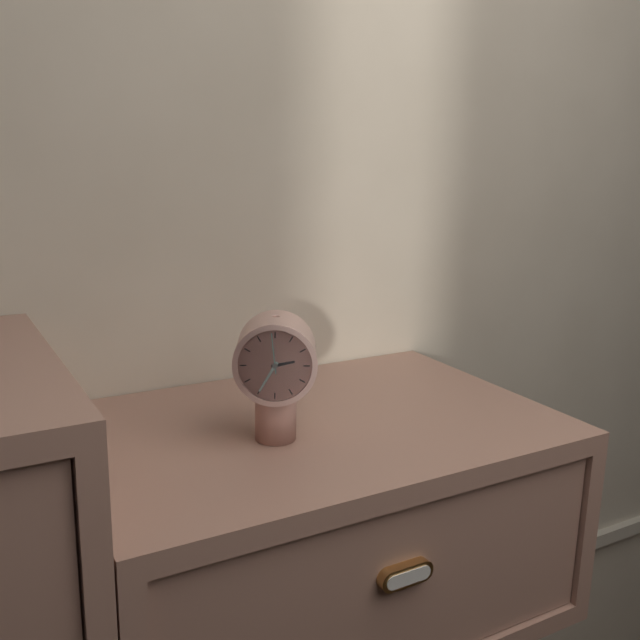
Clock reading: 2h35
